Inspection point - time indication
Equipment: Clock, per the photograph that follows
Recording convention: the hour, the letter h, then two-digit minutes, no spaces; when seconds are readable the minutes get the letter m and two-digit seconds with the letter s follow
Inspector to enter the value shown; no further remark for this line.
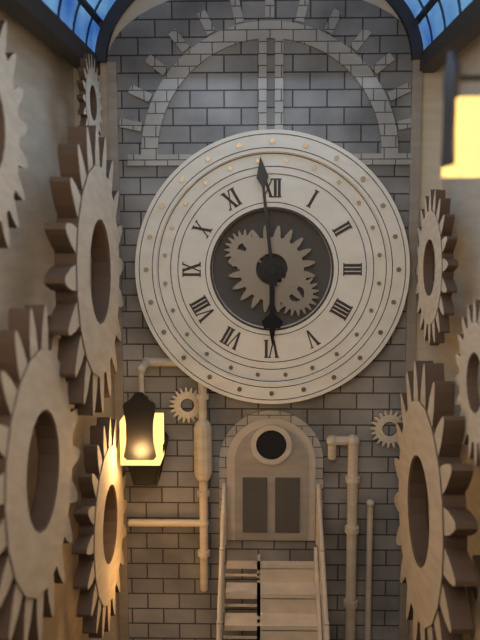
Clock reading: 5h59
